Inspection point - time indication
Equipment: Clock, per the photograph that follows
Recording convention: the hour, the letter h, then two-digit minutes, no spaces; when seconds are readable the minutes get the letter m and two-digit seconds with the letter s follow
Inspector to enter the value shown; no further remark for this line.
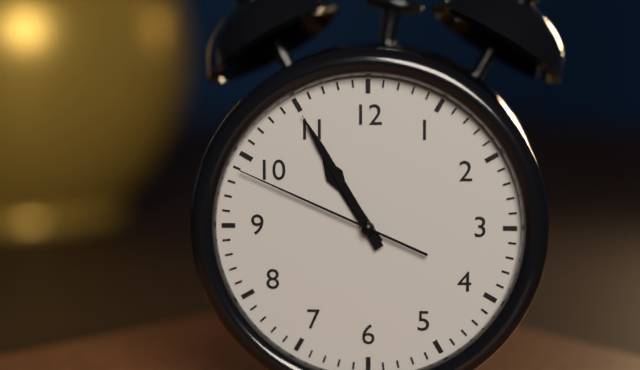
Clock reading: 10h55m49s
